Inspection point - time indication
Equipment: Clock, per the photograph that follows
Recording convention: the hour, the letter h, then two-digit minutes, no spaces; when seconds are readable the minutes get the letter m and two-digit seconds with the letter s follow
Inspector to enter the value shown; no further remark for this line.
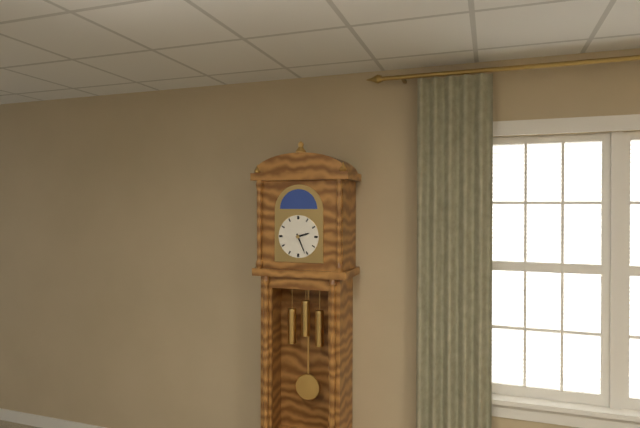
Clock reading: 2h26
